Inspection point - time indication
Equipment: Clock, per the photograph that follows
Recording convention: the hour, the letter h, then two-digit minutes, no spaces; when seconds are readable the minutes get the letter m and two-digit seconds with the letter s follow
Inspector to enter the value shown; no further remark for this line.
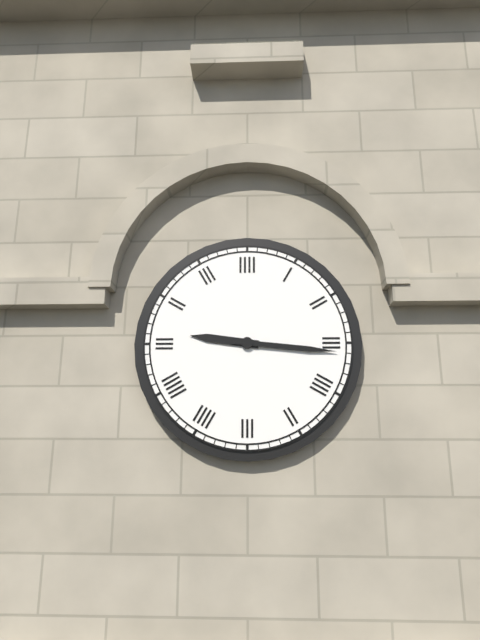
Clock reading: 9h16
